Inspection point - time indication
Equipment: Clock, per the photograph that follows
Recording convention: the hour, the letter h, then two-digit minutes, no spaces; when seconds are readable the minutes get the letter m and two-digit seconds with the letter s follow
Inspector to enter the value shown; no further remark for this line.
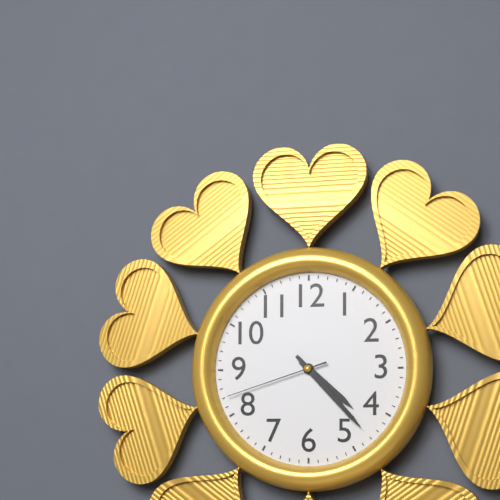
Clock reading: 4h23m42s
